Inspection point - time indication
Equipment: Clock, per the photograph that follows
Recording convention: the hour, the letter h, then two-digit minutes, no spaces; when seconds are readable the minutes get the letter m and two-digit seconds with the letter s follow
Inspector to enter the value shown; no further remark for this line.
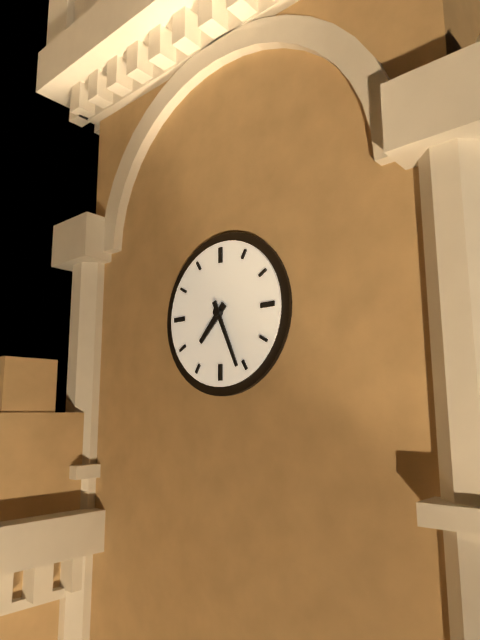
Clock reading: 7h26
